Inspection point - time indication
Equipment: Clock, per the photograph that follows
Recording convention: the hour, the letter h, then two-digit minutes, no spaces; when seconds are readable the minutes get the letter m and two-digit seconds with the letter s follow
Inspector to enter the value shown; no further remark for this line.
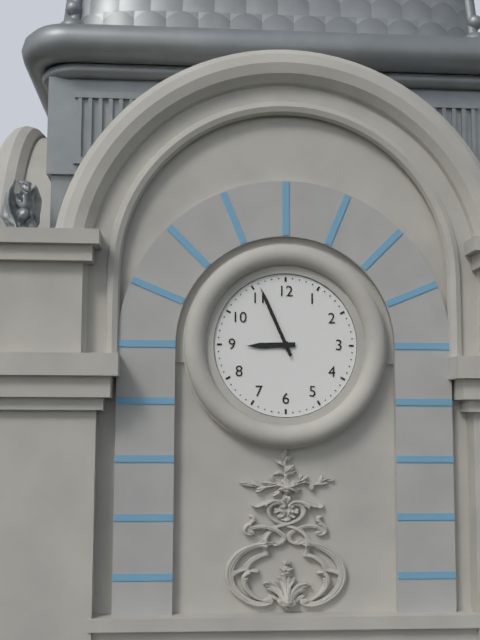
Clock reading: 8h56
